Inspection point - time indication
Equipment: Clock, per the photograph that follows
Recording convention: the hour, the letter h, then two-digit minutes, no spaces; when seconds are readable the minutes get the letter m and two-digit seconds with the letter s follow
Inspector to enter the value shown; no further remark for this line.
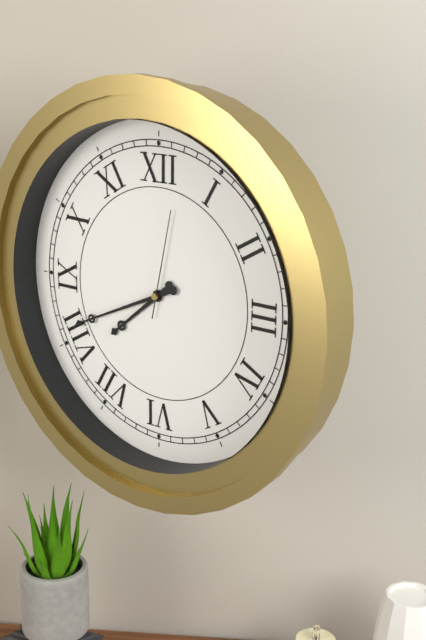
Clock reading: 7h41m02s
